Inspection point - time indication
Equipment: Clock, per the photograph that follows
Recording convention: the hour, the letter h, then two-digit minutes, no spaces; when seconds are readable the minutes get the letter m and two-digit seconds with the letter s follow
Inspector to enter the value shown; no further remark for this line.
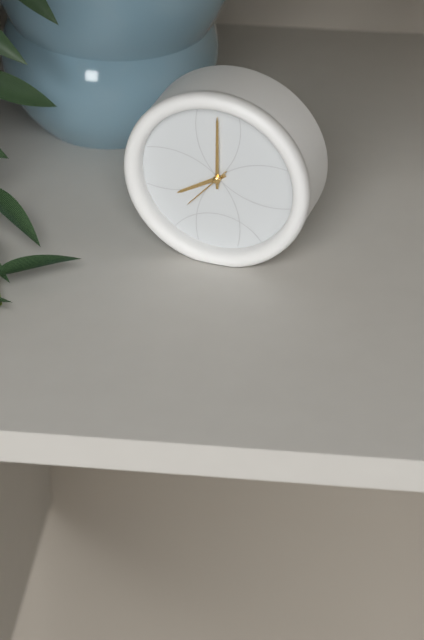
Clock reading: 8h00
